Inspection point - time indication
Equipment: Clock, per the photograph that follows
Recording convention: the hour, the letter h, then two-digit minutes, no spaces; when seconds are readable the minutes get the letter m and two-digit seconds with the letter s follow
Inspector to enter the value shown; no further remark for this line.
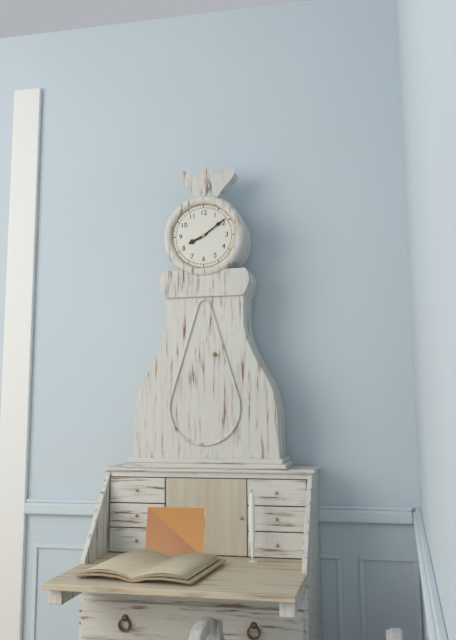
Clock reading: 8h09
